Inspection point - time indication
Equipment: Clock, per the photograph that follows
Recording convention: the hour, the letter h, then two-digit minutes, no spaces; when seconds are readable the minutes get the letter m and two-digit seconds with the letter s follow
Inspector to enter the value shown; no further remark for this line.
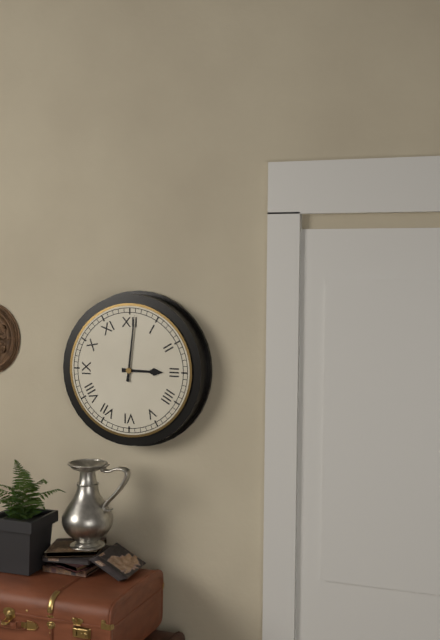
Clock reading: 3h01
